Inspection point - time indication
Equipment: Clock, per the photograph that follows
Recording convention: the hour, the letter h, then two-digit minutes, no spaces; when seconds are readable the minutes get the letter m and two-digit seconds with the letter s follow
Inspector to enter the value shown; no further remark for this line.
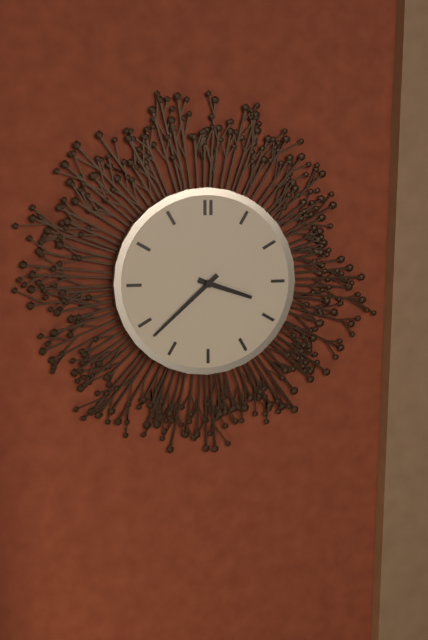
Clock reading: 3h38
